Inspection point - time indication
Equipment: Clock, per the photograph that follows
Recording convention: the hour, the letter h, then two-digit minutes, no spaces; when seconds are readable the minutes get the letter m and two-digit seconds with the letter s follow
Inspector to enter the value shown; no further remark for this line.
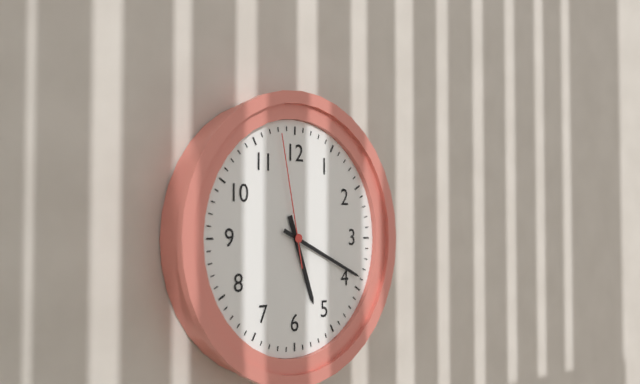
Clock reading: 5h19m58s
